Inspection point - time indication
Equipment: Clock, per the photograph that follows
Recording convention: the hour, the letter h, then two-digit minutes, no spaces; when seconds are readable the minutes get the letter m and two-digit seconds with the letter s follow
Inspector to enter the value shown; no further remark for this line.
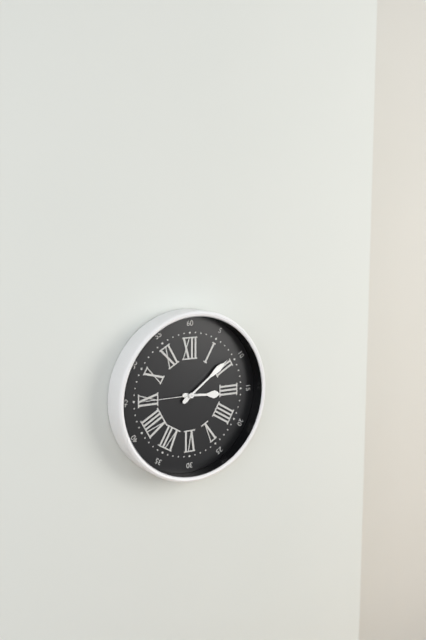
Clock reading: 3h09m45s
